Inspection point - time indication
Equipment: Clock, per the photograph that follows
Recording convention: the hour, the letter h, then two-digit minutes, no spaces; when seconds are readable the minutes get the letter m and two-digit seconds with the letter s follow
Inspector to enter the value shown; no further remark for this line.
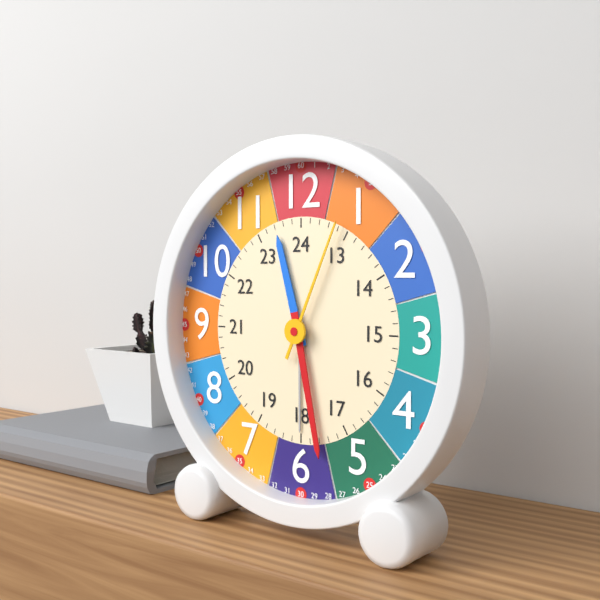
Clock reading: 11h28m04s
